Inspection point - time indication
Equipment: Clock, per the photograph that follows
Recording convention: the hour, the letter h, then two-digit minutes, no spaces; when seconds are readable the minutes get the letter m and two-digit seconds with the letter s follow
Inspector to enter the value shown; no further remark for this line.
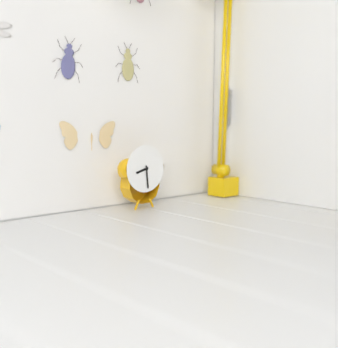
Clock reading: 8h29
